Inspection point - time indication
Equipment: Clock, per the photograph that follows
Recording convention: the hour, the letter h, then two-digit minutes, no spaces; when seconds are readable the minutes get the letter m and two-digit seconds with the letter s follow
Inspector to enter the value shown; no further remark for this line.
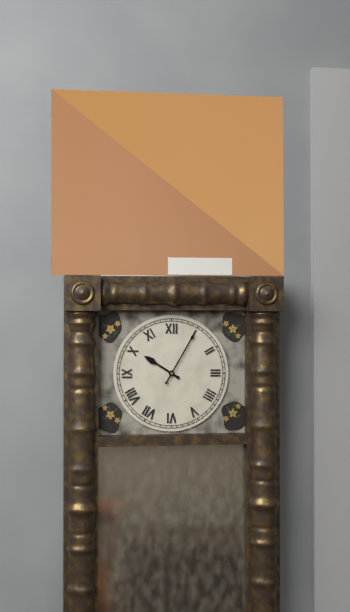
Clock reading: 10h05
